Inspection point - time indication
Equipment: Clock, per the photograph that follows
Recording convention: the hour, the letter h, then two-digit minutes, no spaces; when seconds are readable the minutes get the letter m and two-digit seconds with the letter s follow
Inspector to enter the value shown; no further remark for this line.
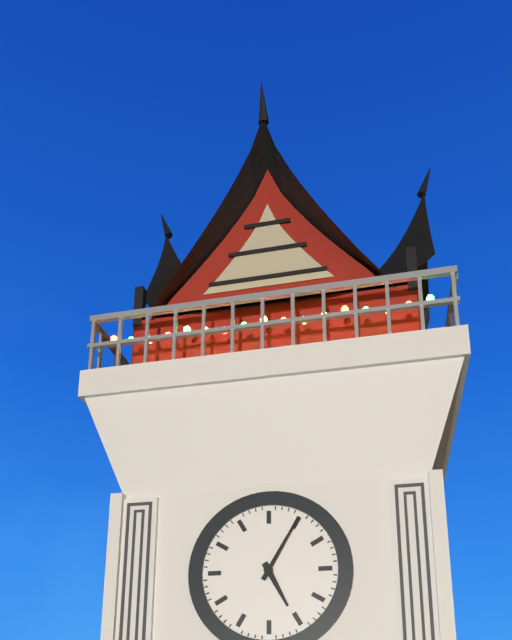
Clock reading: 5h05
